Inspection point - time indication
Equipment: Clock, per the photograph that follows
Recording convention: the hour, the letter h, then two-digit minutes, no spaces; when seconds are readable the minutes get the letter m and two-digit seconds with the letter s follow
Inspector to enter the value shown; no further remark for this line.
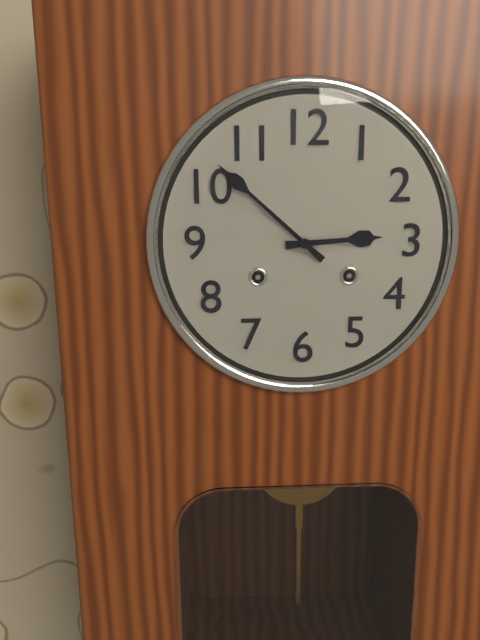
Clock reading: 2h52
